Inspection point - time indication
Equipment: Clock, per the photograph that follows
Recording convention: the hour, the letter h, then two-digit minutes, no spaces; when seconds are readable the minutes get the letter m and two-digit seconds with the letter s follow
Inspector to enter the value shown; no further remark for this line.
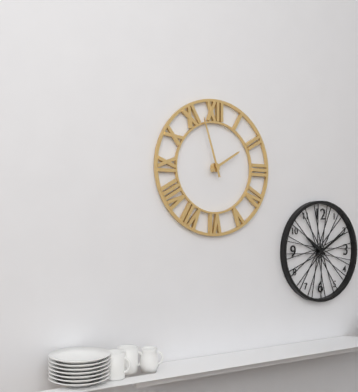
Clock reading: 1h57
